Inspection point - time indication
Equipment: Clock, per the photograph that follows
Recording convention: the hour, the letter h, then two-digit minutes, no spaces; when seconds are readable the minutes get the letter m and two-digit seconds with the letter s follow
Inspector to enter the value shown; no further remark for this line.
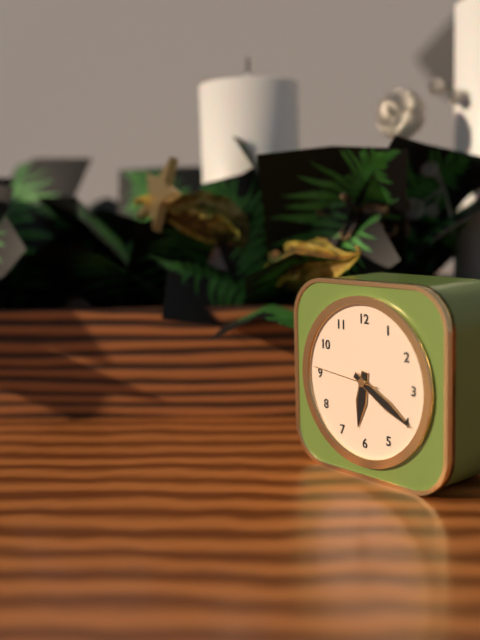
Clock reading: 6h20m46s
